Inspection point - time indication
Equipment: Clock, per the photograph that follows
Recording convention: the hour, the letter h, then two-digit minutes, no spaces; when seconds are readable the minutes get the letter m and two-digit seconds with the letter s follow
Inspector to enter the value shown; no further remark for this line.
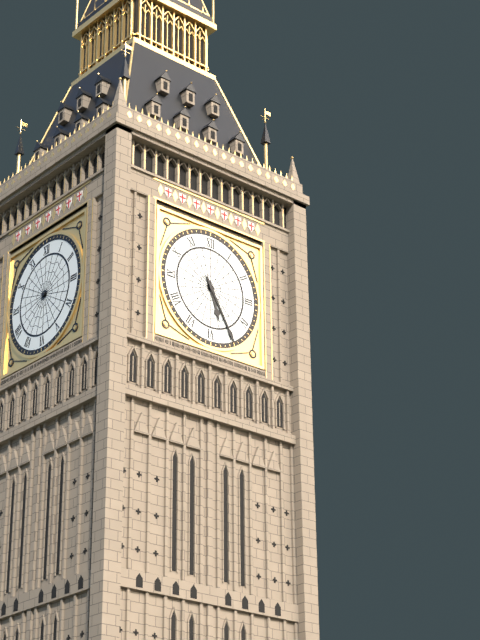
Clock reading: 5h25
